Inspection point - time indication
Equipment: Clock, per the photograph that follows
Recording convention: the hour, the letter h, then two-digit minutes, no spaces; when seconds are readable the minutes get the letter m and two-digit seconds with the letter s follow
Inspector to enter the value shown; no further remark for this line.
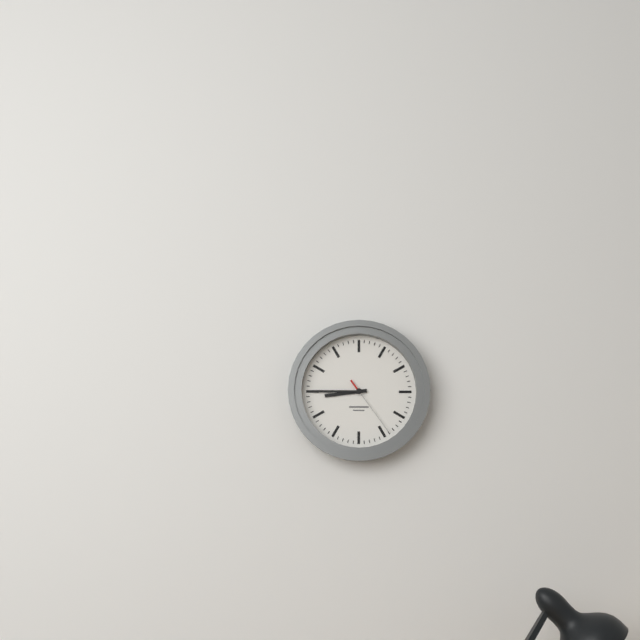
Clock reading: 8h45m24s
